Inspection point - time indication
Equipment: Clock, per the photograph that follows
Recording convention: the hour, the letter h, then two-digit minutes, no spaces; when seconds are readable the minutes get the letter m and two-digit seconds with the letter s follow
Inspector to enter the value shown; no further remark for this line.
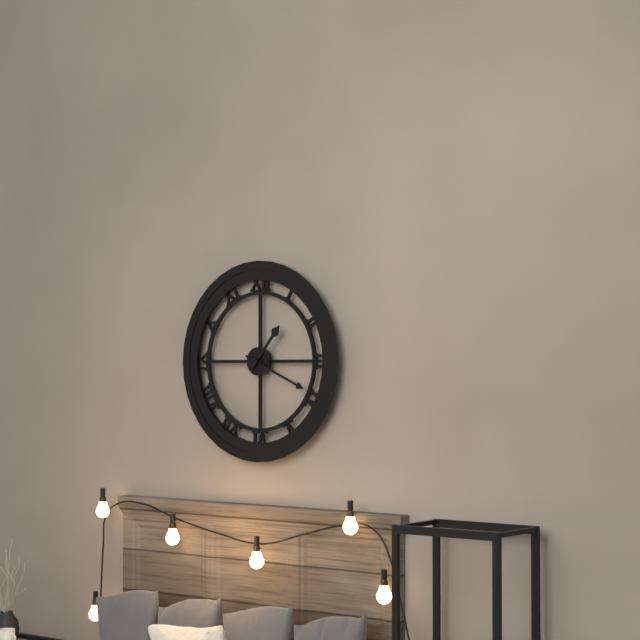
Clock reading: 1h19
